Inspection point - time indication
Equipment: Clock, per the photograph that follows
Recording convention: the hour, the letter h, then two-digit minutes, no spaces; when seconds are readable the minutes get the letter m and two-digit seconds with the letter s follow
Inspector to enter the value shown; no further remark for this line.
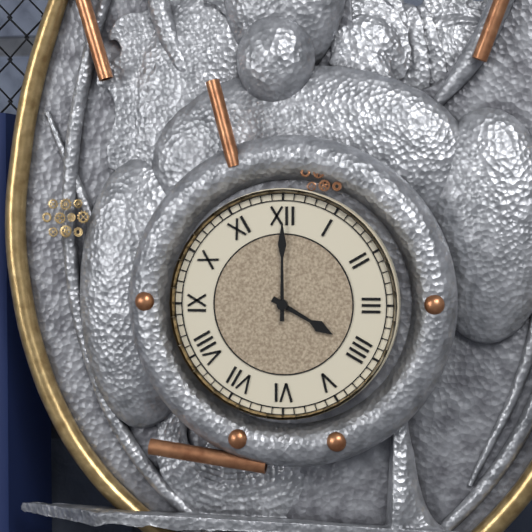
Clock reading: 4h00
